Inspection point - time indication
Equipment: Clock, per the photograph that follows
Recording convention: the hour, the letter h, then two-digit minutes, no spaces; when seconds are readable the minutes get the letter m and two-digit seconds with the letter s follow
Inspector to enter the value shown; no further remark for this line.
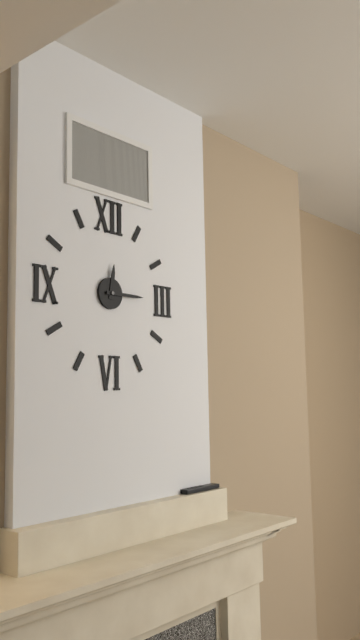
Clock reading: 12h15
